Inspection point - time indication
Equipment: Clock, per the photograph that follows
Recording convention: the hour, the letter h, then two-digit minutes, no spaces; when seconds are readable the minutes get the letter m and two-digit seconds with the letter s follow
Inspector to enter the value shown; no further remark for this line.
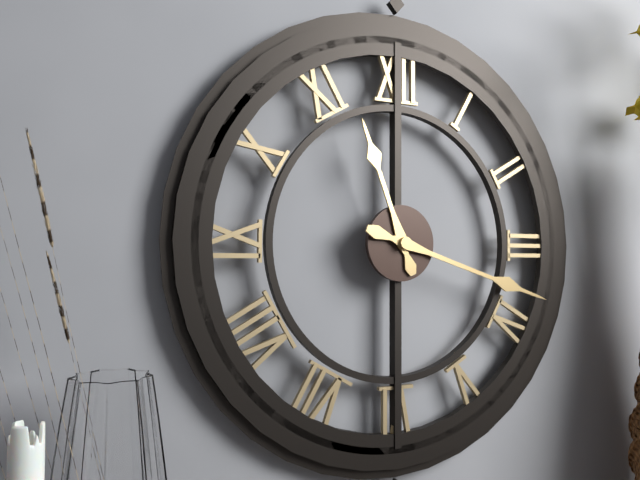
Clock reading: 11h18
